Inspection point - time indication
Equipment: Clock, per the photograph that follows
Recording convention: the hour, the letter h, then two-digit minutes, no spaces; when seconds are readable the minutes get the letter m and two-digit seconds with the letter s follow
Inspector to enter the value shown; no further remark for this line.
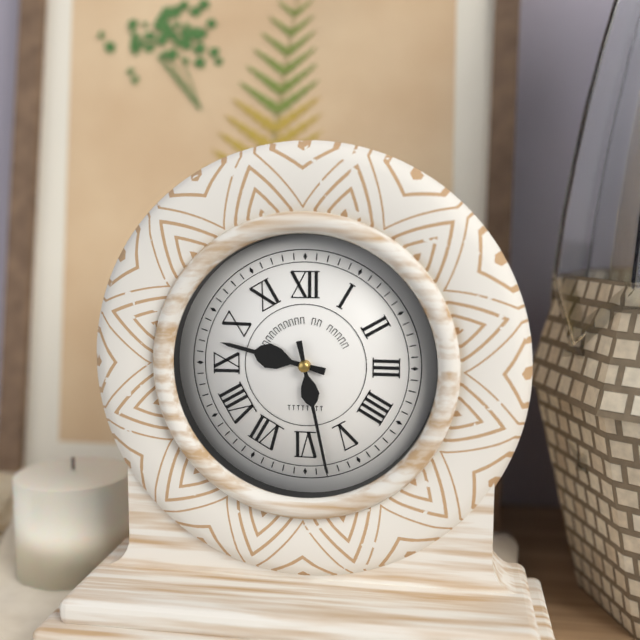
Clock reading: 9h28
